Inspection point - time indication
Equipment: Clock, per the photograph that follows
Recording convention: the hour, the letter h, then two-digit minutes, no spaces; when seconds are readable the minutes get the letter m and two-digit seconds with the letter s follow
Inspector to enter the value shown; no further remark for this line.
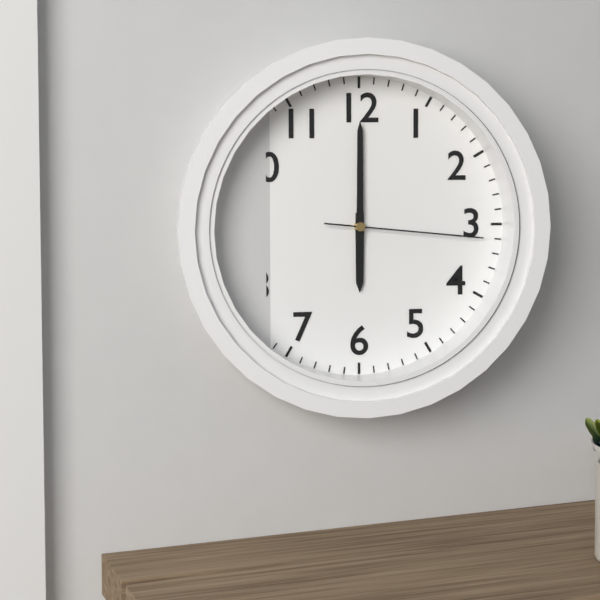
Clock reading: 6h00m16s
